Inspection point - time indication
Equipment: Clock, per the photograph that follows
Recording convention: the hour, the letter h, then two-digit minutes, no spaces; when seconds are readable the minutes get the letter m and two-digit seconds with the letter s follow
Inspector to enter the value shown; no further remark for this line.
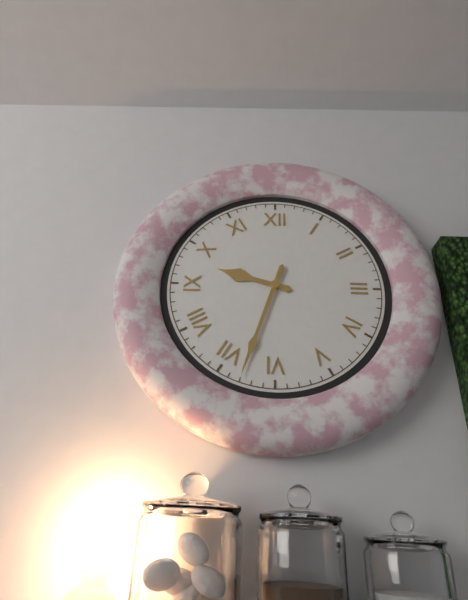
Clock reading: 9h33
